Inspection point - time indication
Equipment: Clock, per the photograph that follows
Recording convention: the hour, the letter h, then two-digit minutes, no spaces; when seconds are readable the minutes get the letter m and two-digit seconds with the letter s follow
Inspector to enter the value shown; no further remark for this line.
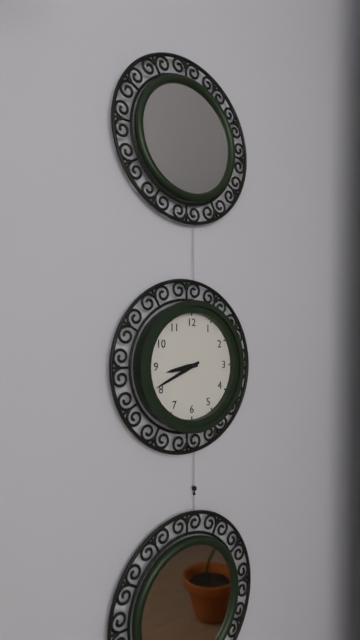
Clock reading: 8h41
